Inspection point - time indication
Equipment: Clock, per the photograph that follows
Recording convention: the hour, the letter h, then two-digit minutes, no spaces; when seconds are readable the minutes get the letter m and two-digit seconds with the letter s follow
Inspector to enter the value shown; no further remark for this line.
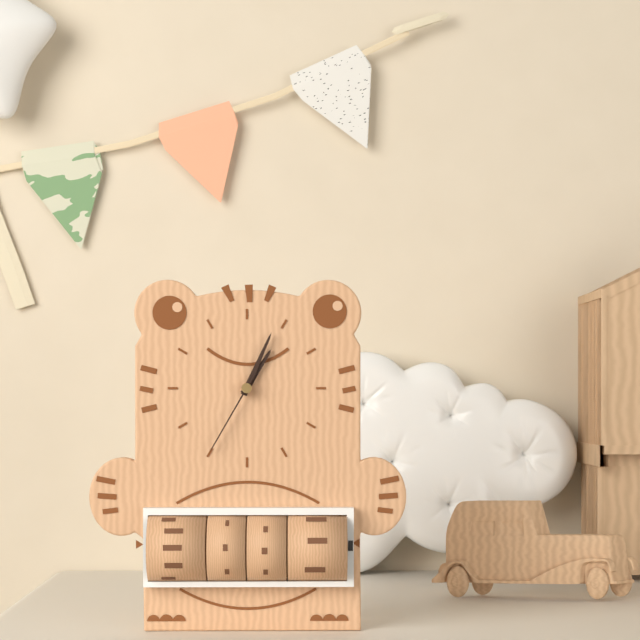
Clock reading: 1h04m35s
